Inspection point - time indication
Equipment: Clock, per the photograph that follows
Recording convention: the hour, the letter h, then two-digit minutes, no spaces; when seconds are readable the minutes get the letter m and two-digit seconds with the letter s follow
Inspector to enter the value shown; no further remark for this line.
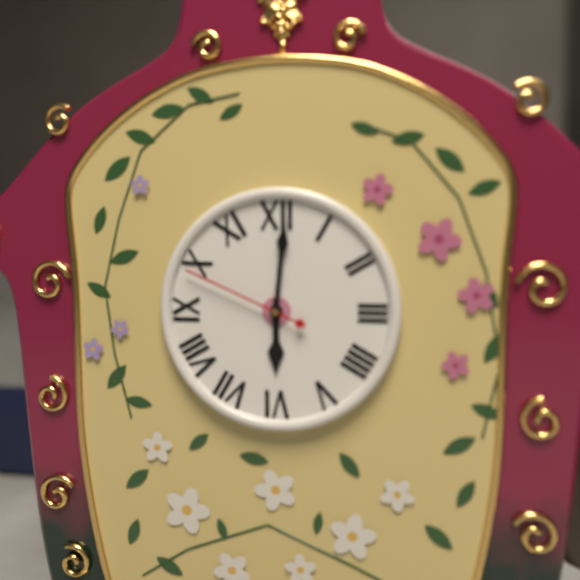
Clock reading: 6h01m49s
